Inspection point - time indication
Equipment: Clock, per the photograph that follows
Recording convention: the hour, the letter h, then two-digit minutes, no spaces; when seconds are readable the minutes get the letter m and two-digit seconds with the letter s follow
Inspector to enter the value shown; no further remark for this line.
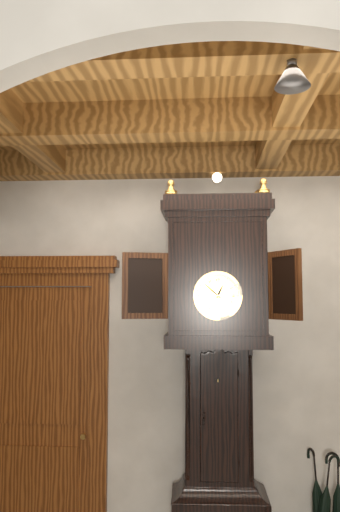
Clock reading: 12h52
